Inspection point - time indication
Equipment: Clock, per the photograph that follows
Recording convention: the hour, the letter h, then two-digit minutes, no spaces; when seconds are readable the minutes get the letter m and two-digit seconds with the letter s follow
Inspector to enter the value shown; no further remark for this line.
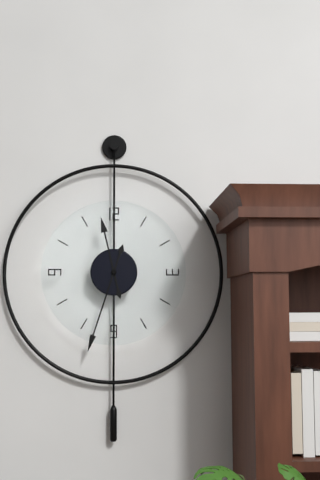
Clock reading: 11h33
